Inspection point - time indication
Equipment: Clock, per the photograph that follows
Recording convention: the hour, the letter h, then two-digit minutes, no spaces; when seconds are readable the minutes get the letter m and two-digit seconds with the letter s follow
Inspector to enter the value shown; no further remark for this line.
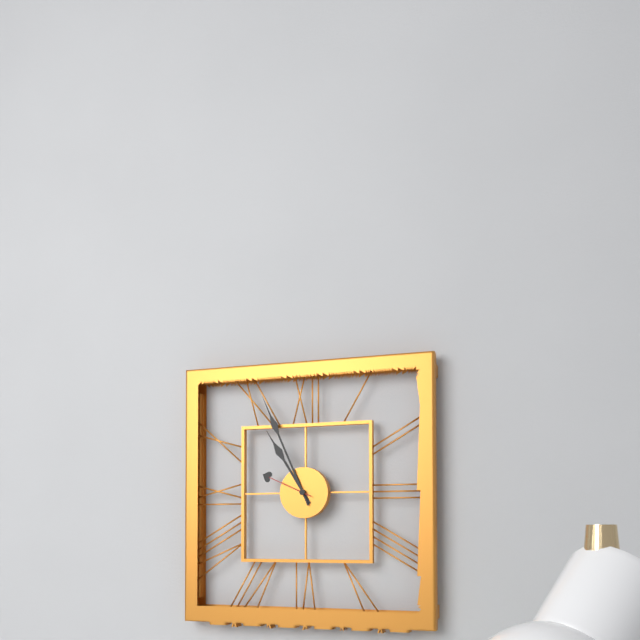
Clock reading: 10h56m49s
